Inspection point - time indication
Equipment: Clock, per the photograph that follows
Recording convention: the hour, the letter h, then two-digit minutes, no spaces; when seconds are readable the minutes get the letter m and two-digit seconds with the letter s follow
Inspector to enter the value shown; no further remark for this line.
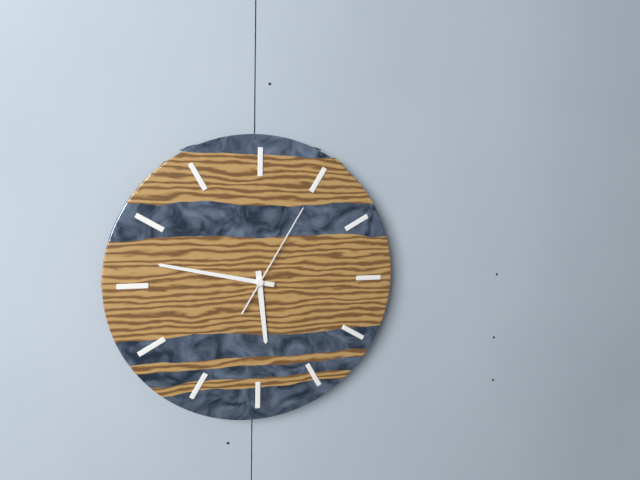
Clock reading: 5h47m05s
